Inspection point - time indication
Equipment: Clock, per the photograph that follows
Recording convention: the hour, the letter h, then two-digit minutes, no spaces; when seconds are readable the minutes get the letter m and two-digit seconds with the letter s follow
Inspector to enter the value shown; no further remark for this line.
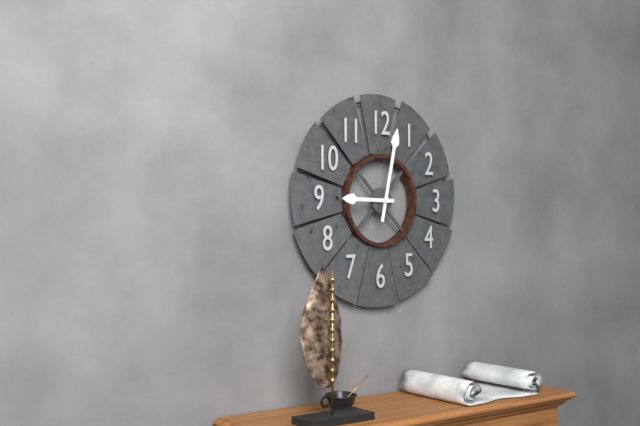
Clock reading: 9h02
